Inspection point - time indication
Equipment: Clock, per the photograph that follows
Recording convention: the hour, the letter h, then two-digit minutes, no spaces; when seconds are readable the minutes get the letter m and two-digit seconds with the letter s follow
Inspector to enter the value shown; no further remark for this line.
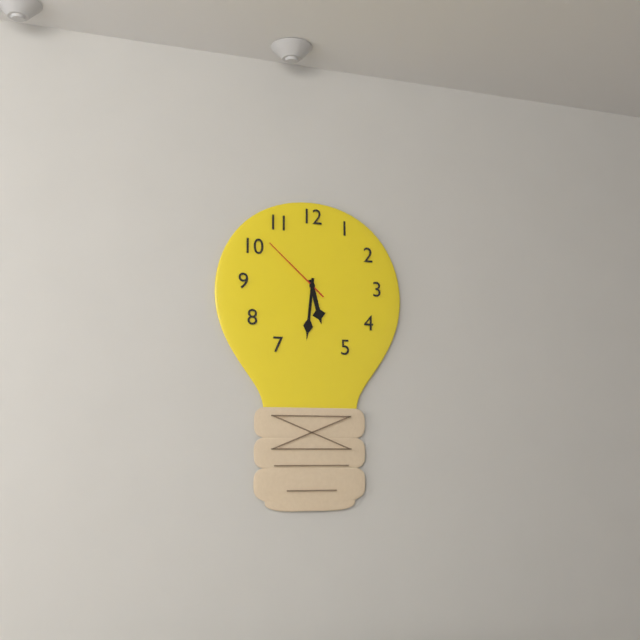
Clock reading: 5h31m52s
